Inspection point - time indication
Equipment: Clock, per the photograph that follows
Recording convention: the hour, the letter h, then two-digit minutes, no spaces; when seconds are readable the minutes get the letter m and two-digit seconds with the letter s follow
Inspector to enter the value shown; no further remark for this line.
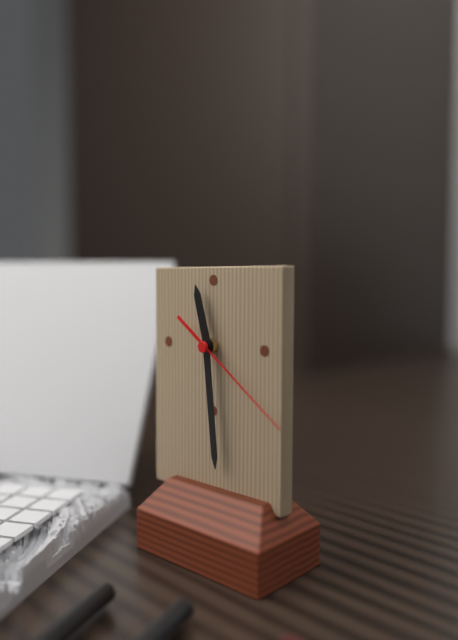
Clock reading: 11h29m21s
